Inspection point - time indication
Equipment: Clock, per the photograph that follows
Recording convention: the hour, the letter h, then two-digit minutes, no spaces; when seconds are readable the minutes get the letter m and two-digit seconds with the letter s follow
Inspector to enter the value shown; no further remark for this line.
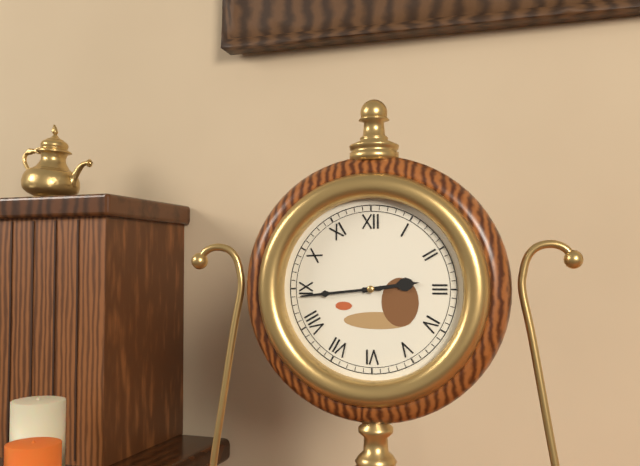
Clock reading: 2h44
